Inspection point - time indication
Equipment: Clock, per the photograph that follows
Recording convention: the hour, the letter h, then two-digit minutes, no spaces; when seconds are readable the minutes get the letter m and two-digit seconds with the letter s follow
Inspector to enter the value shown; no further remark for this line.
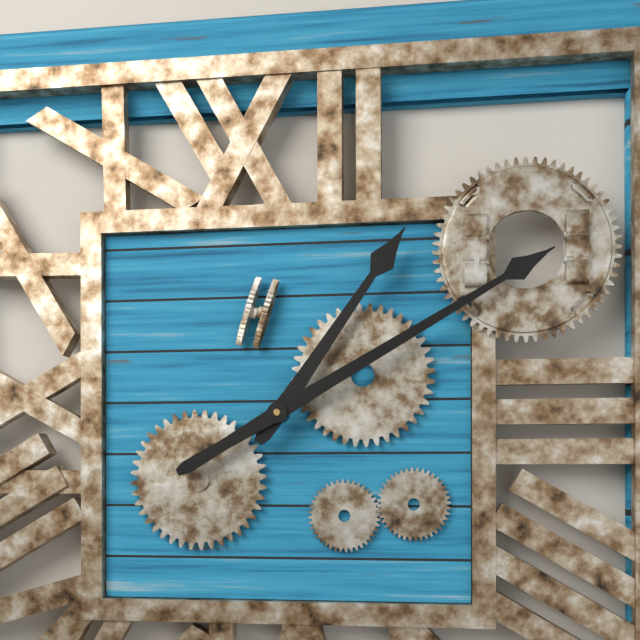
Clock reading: 1h10
